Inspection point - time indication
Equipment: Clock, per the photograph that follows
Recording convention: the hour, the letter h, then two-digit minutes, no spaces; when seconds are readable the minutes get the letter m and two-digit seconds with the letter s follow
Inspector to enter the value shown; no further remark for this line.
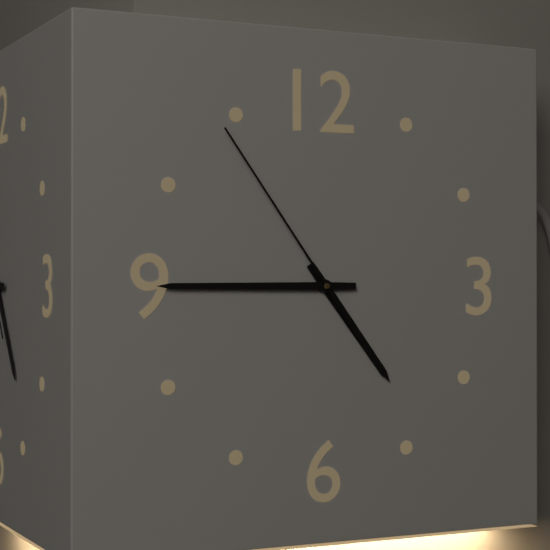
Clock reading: 4h45m54s
